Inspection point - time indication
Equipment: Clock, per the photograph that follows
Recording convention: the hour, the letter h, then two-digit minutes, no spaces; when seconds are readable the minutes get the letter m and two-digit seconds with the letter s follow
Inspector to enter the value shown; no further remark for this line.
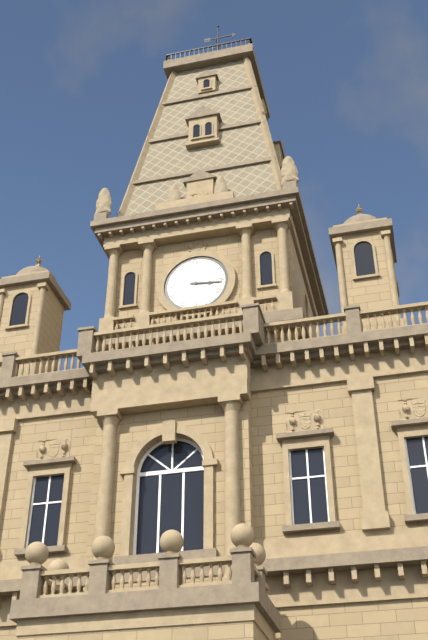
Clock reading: 3h16
